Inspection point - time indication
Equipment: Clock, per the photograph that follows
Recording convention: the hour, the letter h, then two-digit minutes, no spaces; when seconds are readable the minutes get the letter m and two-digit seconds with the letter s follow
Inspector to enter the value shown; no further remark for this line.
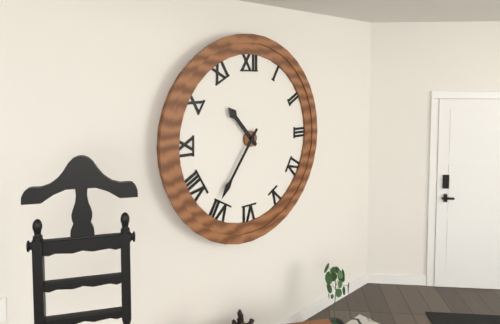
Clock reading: 10h36
